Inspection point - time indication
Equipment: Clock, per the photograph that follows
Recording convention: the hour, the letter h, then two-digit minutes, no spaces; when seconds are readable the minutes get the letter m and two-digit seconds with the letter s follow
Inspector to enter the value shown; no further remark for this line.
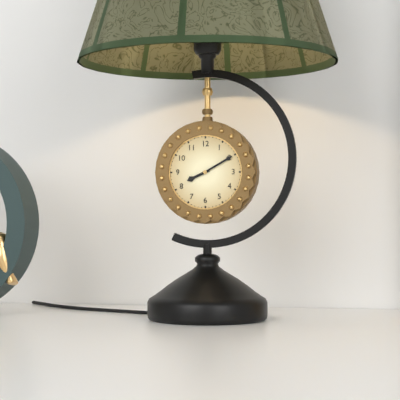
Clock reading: 8h10
